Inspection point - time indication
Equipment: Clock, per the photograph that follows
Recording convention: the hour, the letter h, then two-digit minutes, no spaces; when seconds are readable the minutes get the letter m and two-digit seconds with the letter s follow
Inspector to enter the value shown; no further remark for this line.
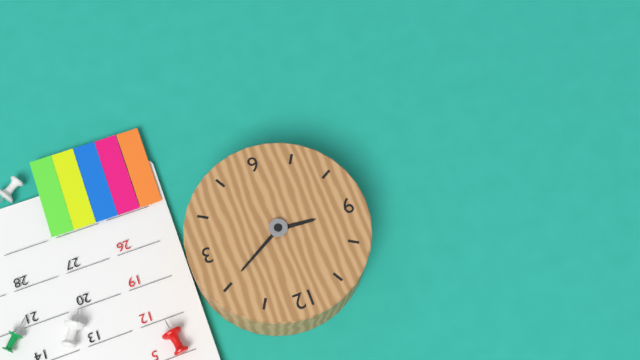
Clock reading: 9h10
